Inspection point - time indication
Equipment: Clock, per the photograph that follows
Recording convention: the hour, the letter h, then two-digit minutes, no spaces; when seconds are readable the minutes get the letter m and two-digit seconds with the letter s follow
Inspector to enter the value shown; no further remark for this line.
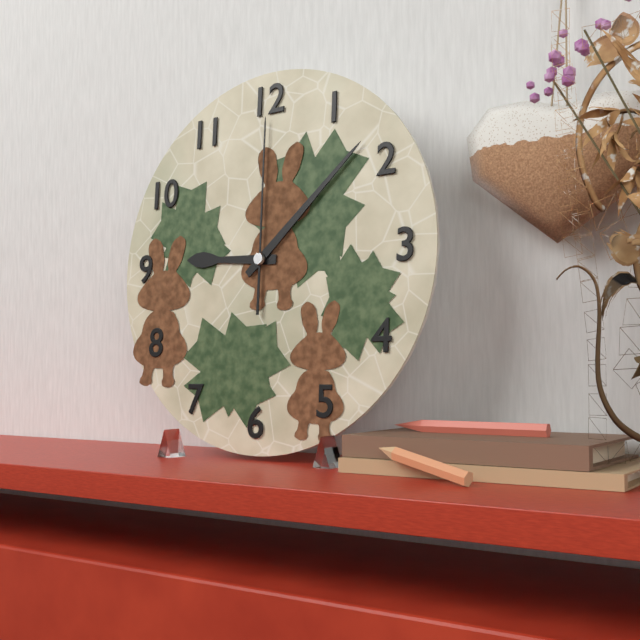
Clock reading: 9h08m00s
